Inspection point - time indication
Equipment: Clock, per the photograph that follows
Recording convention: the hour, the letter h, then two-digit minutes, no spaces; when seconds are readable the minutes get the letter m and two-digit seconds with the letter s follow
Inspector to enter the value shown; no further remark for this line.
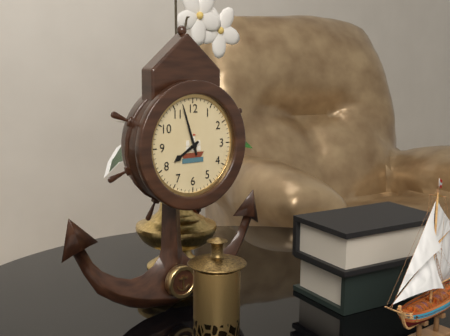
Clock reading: 7h57
